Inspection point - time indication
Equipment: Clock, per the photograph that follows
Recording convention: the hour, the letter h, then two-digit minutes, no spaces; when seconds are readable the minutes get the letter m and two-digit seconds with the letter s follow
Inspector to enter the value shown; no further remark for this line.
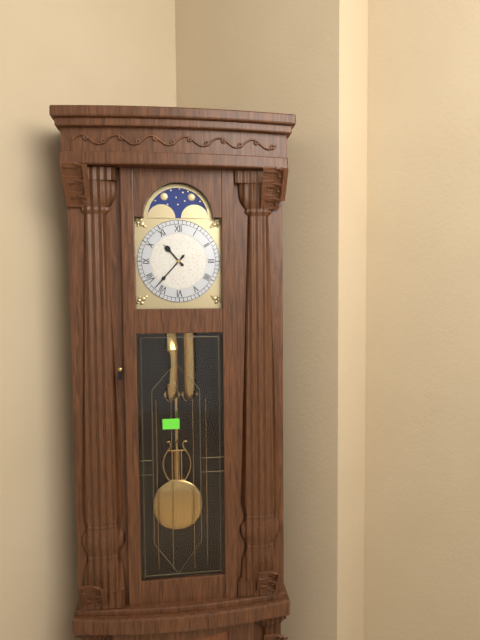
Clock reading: 10h37
